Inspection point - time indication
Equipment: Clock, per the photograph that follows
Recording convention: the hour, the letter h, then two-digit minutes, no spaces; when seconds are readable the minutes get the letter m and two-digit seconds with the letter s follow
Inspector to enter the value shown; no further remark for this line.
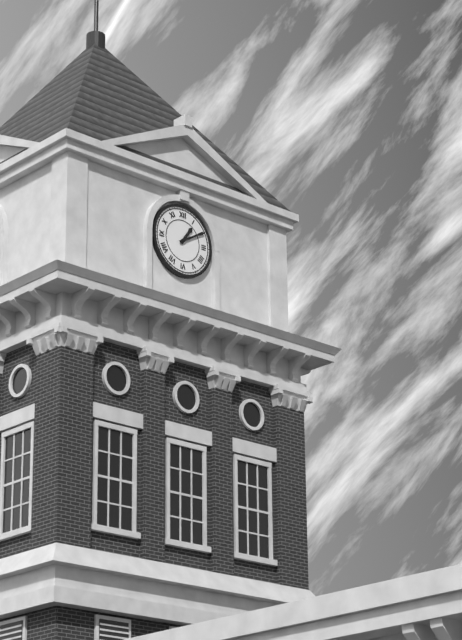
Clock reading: 1h10
